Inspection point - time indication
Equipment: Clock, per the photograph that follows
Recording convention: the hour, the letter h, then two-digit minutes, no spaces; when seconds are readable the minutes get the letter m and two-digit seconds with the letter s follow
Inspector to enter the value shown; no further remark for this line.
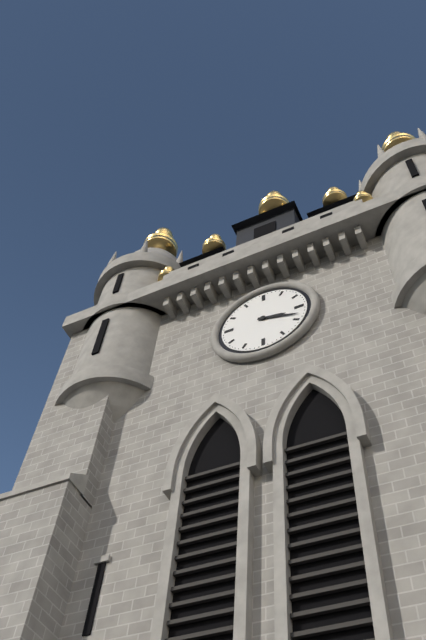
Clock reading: 3h18
